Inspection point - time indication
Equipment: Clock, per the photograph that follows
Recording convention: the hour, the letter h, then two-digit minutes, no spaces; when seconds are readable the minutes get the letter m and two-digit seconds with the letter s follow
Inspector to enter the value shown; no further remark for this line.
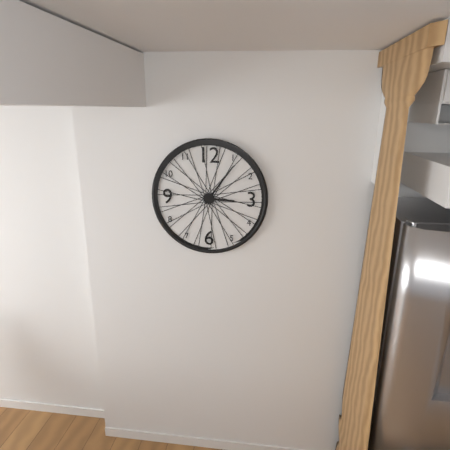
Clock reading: 3h06
